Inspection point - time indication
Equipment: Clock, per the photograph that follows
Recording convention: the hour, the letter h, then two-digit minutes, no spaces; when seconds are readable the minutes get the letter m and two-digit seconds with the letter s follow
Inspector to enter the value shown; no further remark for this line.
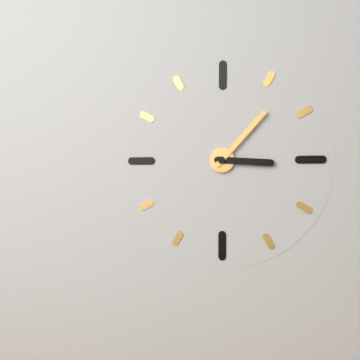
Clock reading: 3h07
